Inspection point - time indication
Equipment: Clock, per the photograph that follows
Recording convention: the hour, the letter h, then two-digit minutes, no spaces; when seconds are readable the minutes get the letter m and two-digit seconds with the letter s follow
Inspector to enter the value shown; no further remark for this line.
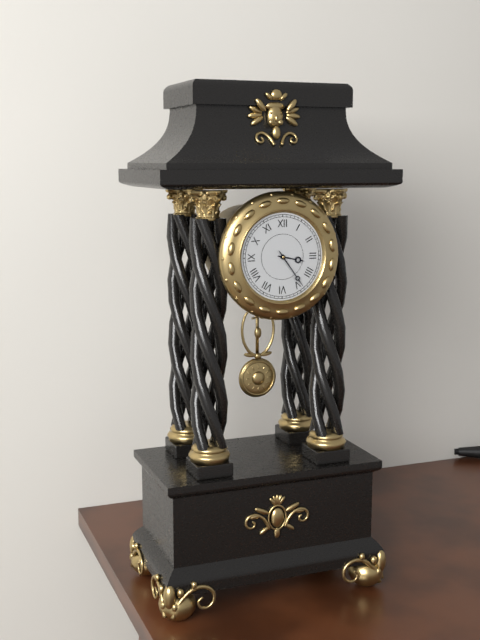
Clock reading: 3h24
